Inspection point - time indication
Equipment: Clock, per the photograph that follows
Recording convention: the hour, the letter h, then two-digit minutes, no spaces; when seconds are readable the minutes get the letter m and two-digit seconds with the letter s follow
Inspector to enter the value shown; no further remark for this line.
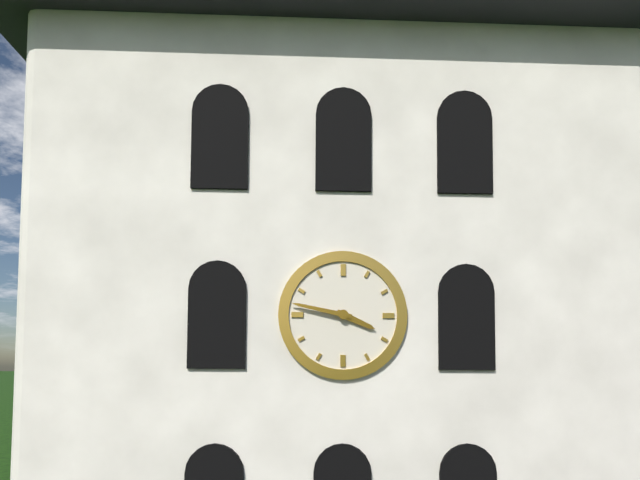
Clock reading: 3h47
